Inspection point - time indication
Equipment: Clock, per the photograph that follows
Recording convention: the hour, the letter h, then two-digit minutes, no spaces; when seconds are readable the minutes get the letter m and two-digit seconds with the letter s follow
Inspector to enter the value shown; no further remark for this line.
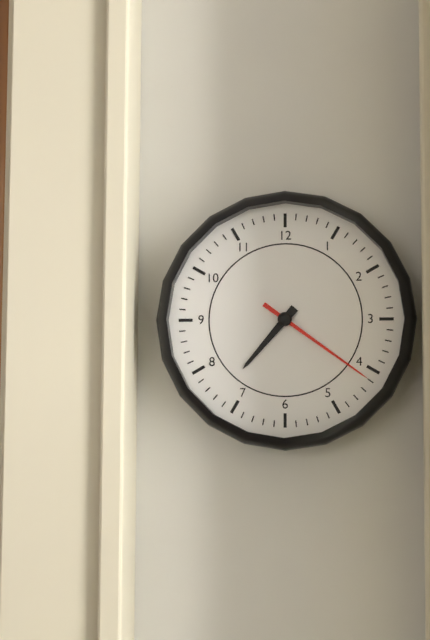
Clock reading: 7h21
